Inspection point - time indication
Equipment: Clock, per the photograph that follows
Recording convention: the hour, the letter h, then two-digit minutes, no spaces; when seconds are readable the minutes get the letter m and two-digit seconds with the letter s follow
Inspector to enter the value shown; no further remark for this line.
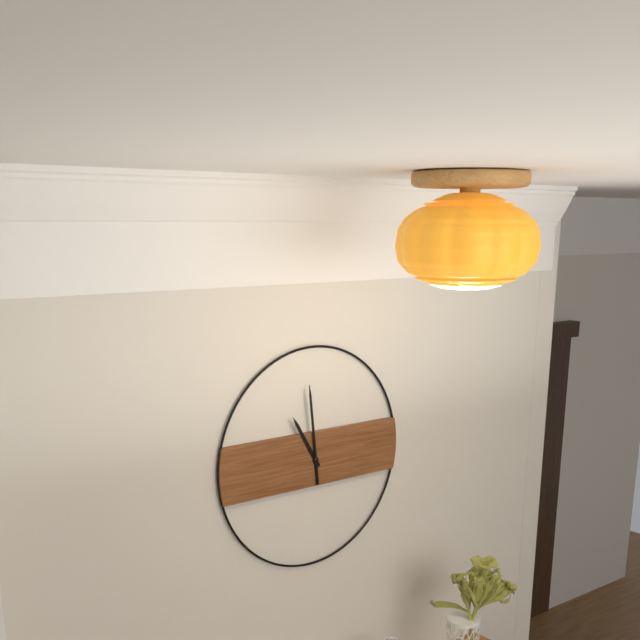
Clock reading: 10h59
